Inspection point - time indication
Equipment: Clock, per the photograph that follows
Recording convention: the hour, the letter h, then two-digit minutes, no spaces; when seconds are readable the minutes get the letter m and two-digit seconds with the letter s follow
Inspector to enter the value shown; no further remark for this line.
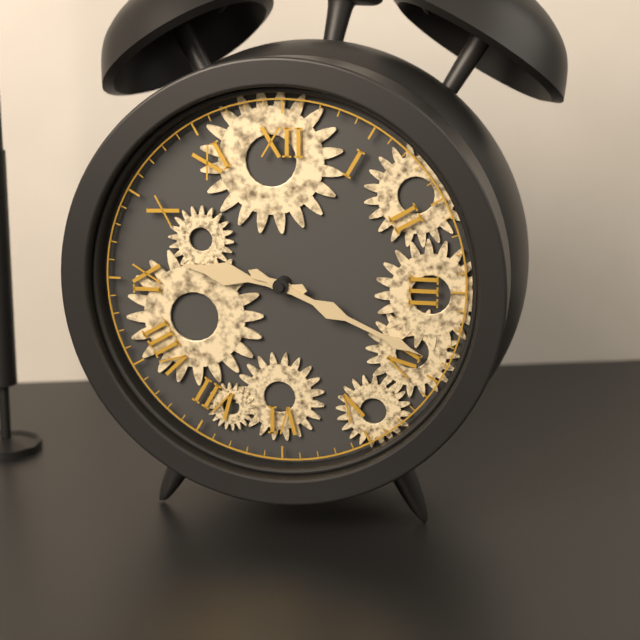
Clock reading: 9h19
